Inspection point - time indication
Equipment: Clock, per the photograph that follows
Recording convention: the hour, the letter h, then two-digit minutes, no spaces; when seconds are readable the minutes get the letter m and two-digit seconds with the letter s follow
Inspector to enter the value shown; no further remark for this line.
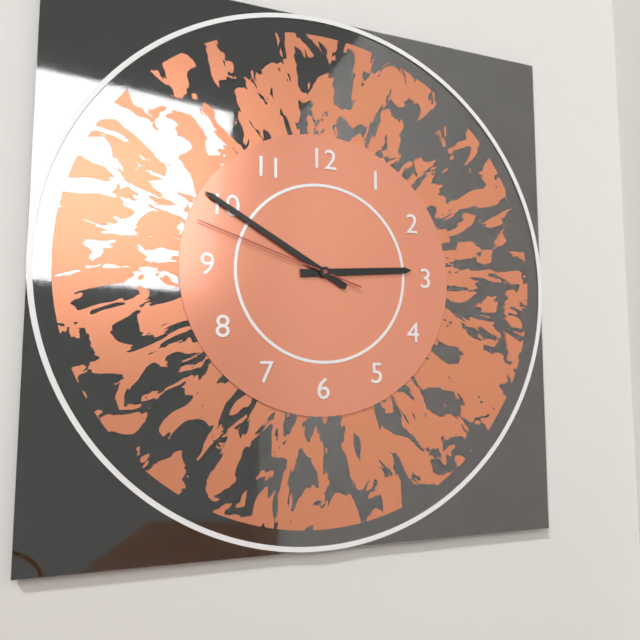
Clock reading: 2h50m48s
